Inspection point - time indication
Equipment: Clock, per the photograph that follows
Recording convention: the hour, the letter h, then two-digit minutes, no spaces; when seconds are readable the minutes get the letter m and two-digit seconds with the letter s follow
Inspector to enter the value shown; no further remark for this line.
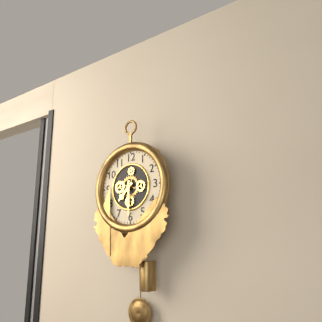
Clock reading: 7h30
